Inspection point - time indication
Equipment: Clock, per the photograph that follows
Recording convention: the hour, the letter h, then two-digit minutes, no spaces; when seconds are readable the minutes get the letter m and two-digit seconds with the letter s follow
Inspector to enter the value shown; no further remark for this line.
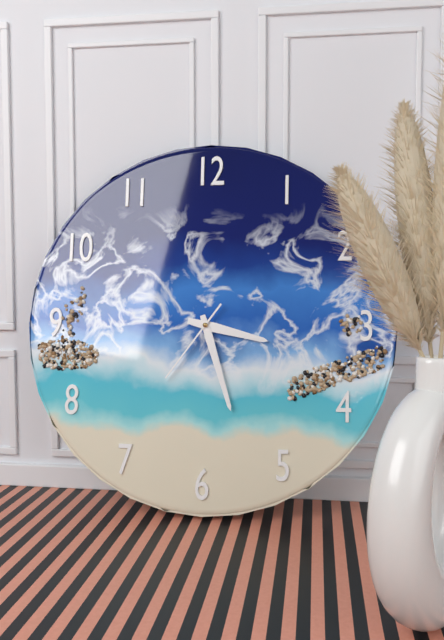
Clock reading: 3h27m36s
